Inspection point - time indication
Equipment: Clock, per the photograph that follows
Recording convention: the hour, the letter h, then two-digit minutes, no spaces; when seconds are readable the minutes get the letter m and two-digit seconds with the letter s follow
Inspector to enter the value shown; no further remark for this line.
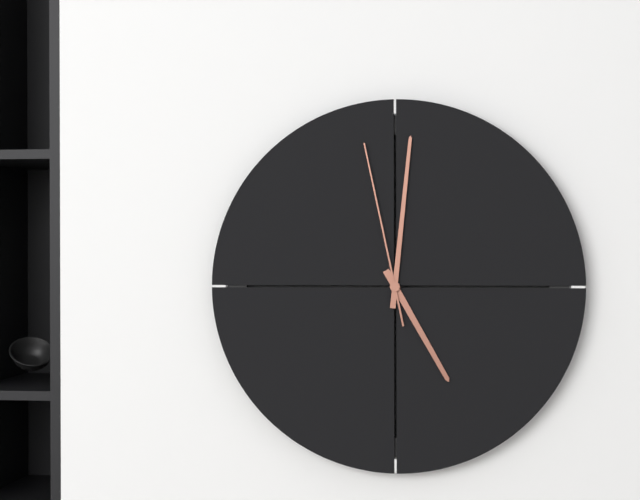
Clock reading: 5h01m58s
